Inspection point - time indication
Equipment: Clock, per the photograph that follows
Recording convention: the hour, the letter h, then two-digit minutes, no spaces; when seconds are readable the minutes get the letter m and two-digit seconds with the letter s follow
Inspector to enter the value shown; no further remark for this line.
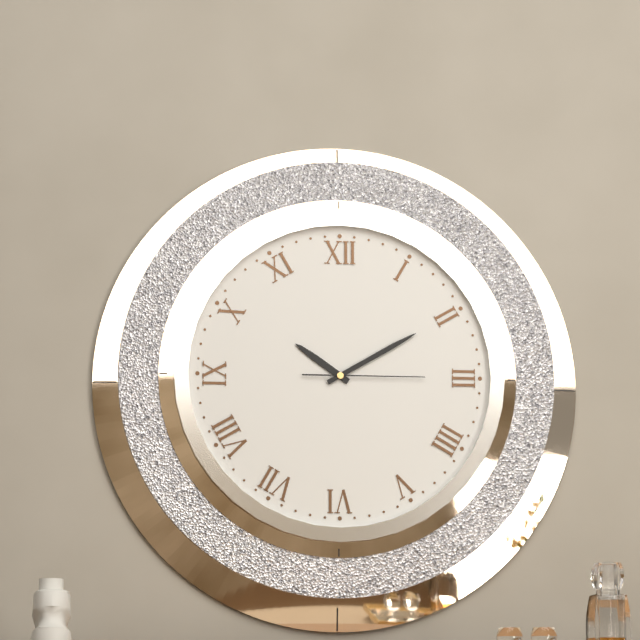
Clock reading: 10h10m15s
